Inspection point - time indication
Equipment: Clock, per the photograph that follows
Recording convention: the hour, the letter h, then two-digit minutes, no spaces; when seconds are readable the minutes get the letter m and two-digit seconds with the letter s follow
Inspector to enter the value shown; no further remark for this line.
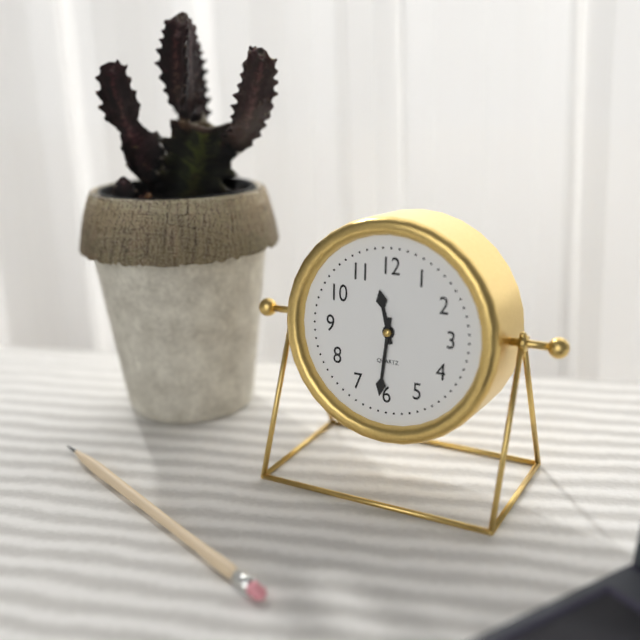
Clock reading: 11h31
